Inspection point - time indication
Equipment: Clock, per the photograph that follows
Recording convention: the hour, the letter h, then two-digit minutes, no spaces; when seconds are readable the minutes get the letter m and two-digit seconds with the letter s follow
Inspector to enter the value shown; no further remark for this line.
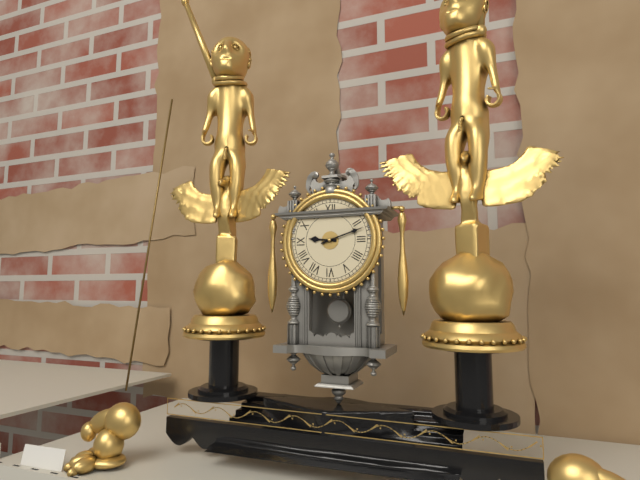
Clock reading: 9h12
